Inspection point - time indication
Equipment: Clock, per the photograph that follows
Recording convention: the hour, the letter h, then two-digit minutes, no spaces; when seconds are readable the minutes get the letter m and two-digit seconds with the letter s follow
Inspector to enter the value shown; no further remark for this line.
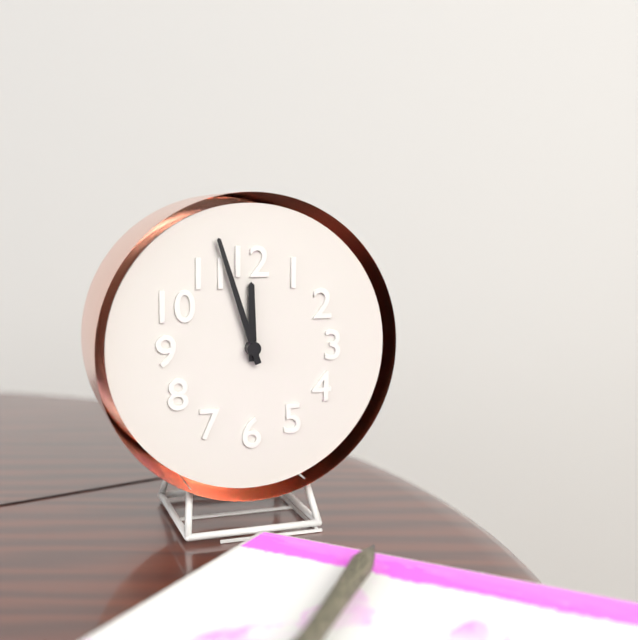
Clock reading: 11h57
